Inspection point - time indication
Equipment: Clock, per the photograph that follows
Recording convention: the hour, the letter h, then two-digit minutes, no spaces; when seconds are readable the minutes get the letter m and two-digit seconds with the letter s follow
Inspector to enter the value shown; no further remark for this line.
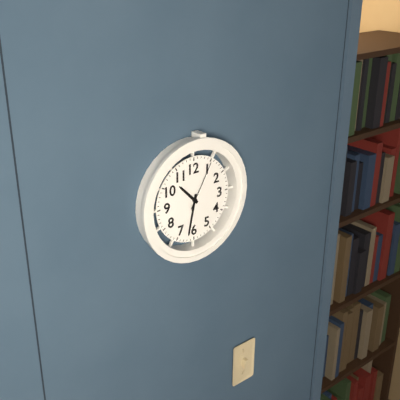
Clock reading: 10h32m05s
